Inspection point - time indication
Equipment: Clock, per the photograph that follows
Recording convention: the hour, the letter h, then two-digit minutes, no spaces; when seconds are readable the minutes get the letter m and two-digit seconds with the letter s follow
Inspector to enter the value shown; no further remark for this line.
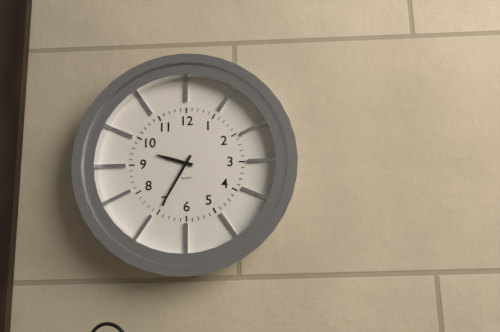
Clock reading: 9h35
